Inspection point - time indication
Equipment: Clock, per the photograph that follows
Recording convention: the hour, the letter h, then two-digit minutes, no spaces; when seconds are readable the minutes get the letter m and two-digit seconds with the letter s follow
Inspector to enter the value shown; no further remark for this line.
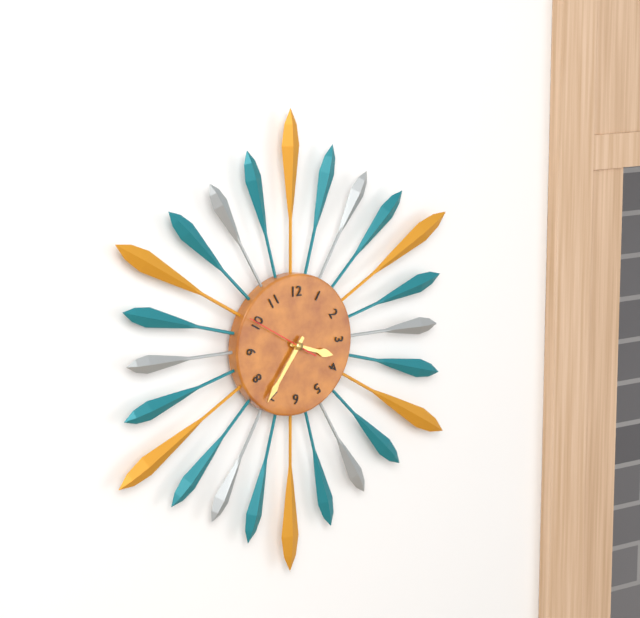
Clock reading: 3h36
